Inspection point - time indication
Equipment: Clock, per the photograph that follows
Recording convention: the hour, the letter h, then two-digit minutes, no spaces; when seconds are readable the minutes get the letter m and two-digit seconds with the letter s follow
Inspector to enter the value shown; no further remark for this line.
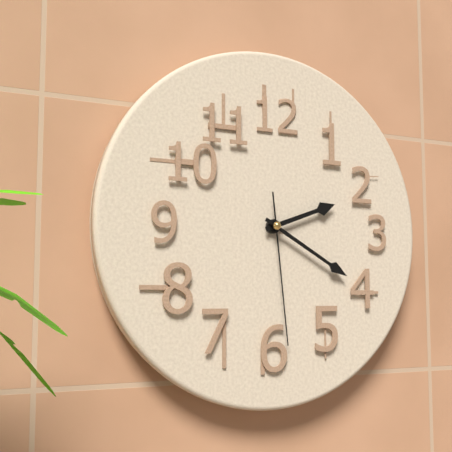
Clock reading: 2h20m29s
